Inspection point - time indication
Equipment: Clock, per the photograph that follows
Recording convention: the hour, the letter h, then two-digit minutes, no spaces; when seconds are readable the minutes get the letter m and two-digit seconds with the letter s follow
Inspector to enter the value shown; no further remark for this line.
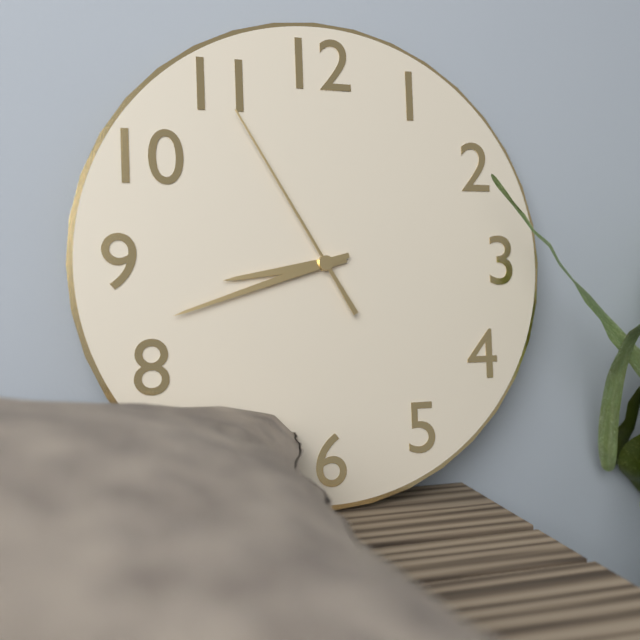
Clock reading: 8h42m55s
